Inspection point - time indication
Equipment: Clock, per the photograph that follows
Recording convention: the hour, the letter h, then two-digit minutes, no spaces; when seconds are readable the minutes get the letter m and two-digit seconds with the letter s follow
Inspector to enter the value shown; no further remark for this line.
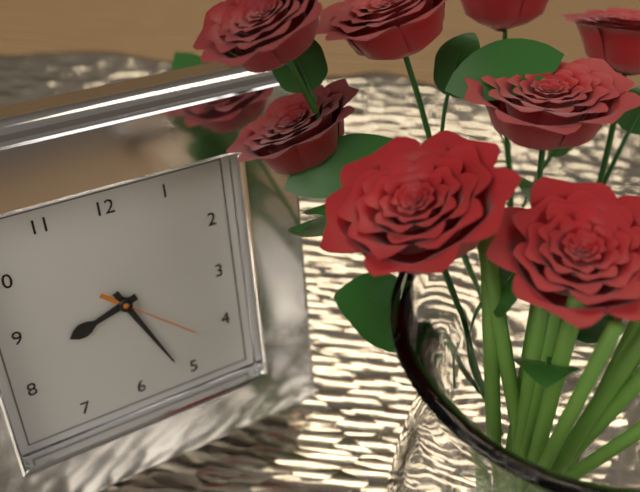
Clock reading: 8h26m22s
